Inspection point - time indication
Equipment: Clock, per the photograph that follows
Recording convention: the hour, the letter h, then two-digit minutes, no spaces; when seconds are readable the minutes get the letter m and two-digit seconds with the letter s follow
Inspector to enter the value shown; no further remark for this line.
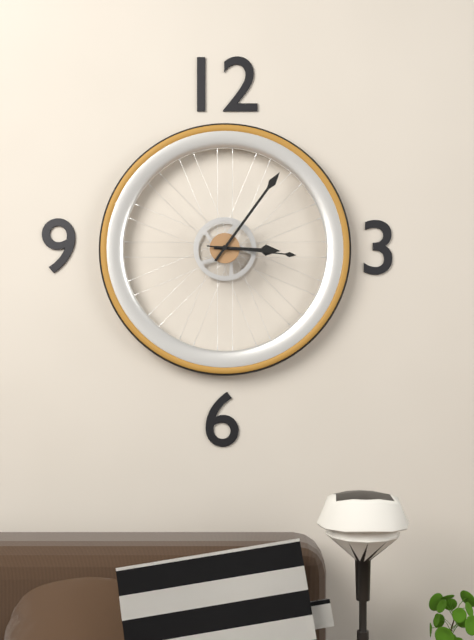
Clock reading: 3h06m16s
